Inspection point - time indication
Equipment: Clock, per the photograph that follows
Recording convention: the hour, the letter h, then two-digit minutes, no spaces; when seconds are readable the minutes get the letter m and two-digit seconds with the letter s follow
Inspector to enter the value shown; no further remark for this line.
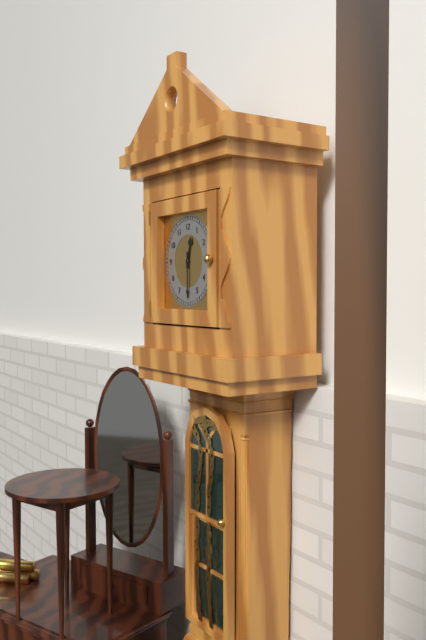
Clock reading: 12h30
